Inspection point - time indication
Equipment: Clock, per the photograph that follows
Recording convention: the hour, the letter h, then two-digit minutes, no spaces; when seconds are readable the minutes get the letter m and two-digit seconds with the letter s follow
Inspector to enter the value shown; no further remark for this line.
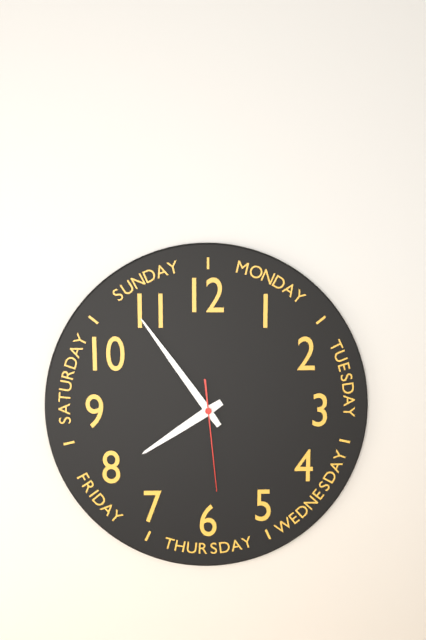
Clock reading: 7h54m29s
